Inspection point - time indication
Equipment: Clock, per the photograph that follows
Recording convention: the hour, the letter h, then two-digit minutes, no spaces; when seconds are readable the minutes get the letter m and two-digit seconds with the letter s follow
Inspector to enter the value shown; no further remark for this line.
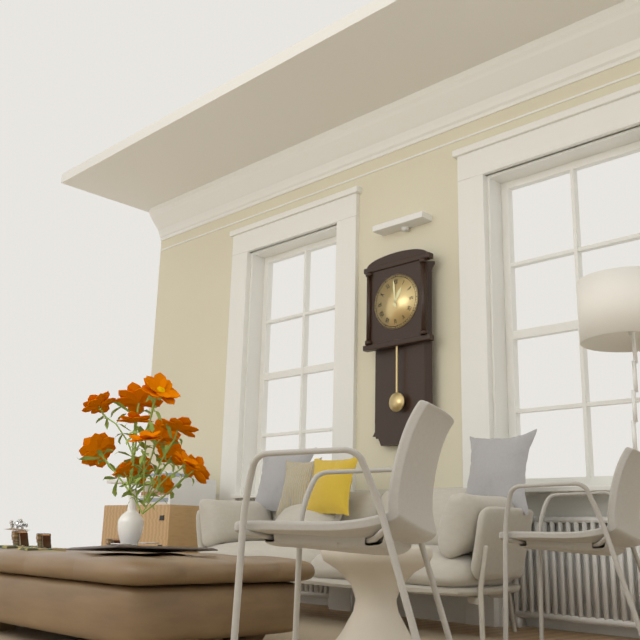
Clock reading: 12h59
